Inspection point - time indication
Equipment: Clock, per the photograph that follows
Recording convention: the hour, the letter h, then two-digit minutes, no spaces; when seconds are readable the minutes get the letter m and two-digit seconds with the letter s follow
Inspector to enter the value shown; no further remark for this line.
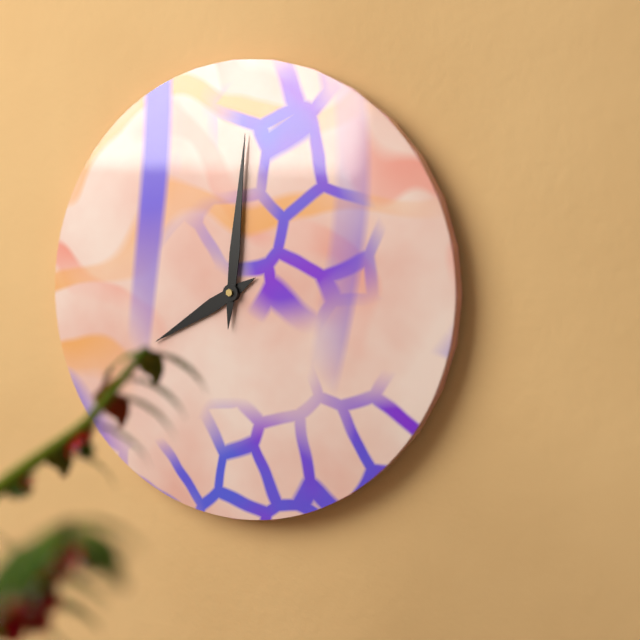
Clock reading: 8h01
